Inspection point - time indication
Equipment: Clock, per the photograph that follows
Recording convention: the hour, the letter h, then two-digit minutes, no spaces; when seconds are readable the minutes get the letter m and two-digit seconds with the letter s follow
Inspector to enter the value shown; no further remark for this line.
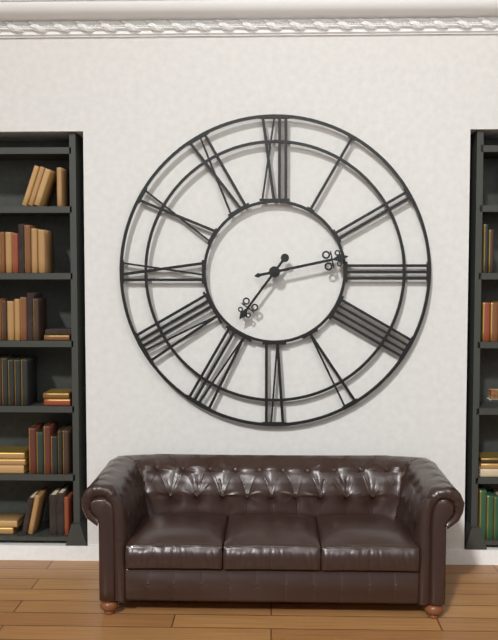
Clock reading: 7h13
